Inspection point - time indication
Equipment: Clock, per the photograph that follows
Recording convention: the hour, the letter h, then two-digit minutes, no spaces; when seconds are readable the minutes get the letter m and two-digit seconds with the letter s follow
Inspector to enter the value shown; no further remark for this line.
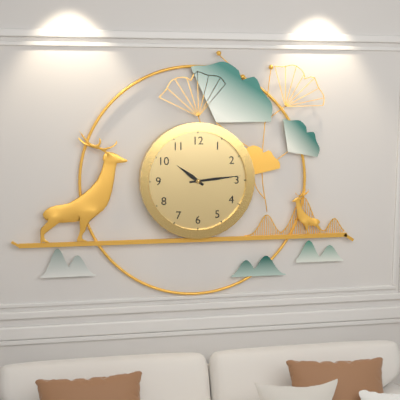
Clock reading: 10h14
